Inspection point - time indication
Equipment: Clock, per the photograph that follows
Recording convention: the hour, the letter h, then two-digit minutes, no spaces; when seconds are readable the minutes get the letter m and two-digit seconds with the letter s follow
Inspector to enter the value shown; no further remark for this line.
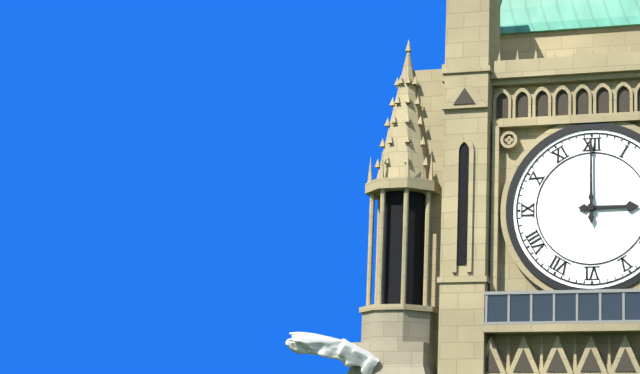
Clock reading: 3h00
